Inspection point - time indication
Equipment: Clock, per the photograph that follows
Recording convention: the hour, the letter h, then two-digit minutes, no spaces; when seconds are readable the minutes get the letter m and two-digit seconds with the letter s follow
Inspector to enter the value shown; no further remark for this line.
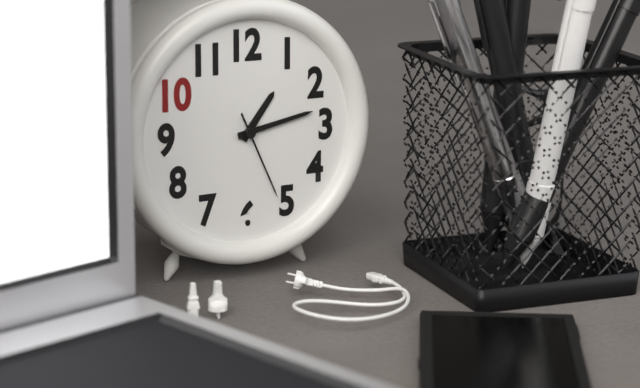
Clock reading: 1h13m26s
